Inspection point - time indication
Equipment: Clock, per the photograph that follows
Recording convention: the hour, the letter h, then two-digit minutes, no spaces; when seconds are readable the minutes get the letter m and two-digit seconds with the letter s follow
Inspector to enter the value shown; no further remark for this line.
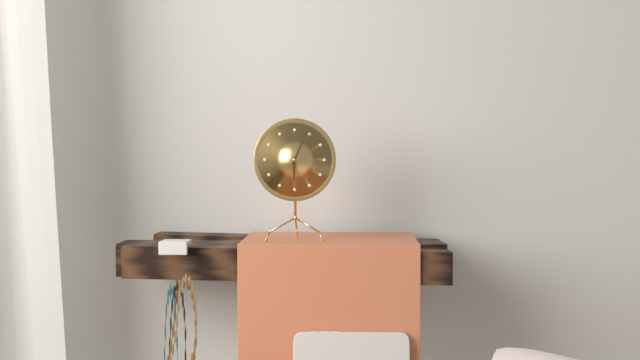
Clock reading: 6h04
